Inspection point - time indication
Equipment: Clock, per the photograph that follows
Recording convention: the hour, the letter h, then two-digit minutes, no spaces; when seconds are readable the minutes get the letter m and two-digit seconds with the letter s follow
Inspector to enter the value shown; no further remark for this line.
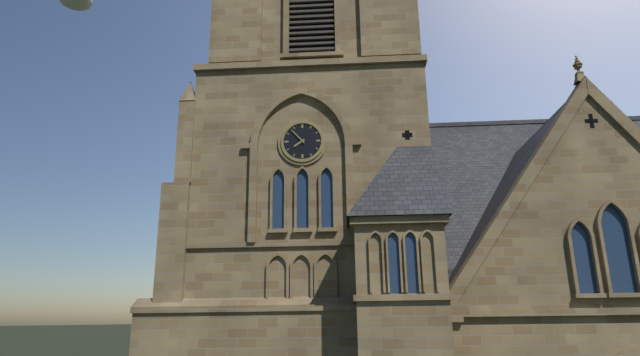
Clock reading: 7h53
